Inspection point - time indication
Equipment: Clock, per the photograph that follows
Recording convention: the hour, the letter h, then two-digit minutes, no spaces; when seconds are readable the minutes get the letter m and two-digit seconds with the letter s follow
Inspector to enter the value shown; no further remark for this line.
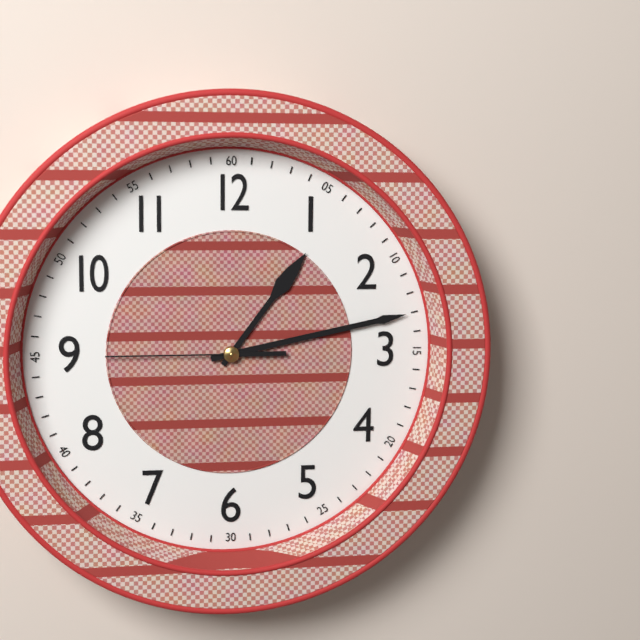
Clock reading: 1h13m45s
